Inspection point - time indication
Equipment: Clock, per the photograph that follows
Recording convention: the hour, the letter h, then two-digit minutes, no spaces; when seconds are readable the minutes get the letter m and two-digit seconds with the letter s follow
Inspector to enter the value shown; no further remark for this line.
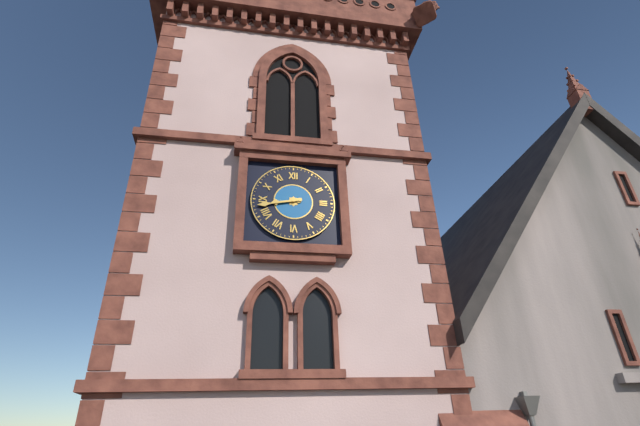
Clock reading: 8h43
